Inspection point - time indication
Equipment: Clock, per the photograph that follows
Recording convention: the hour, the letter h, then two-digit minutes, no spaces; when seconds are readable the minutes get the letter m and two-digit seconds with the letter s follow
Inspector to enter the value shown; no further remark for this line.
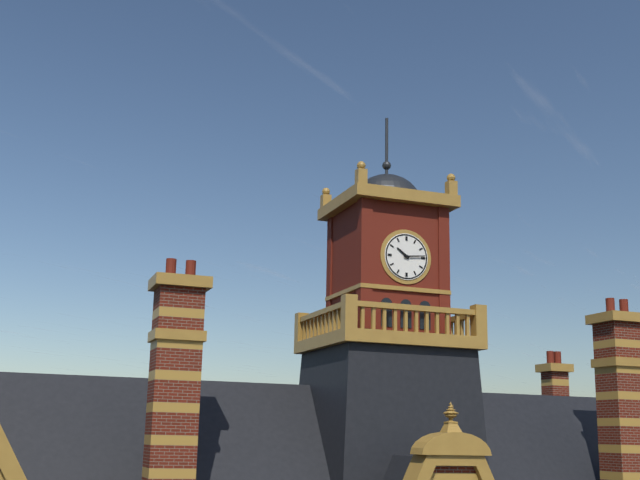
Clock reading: 10h14
